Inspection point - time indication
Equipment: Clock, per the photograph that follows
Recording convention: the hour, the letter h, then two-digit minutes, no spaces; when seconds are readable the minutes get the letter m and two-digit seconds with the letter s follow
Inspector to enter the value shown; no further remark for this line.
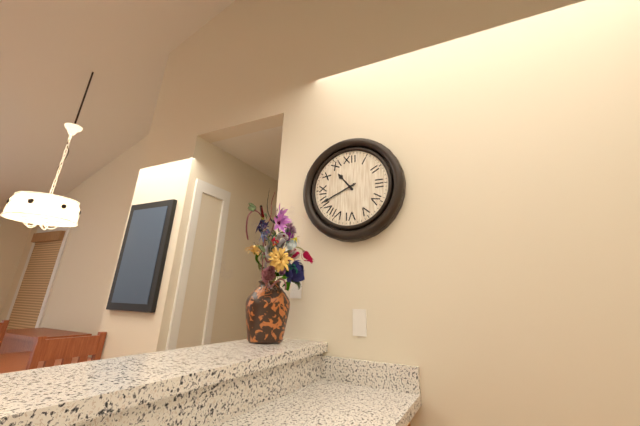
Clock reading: 10h41
